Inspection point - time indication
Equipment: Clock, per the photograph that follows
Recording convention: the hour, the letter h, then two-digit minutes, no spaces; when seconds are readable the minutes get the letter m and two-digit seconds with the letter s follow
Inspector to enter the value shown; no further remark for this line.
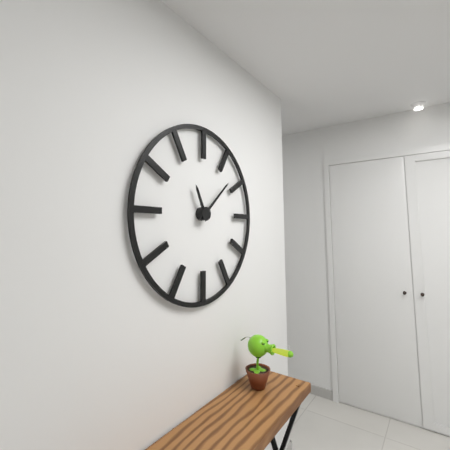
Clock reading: 11h08
